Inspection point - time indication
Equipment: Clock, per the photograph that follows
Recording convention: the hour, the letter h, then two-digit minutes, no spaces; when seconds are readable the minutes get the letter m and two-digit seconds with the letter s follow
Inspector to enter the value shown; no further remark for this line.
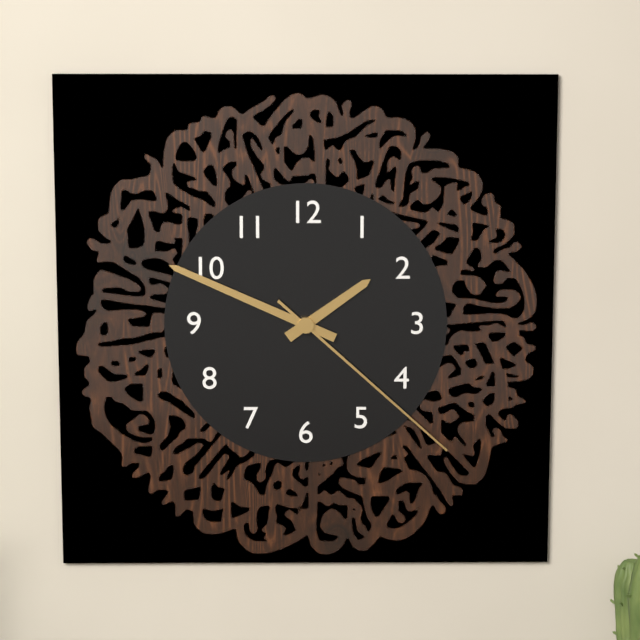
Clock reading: 1h49m22s
